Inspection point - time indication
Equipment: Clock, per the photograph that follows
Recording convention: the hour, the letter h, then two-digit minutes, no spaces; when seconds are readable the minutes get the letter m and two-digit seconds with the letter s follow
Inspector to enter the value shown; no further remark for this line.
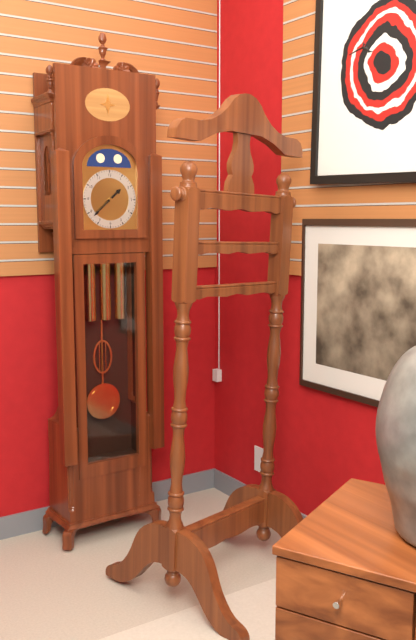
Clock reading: 1h38
